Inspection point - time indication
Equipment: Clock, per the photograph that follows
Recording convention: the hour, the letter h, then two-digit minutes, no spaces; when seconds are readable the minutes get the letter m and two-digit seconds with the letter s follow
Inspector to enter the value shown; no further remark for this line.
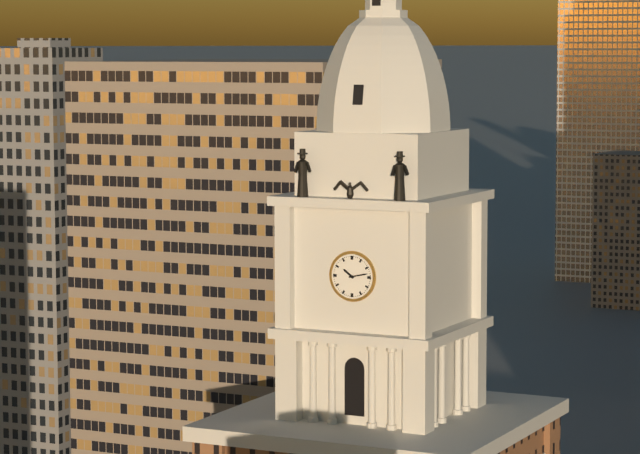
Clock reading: 10h13
